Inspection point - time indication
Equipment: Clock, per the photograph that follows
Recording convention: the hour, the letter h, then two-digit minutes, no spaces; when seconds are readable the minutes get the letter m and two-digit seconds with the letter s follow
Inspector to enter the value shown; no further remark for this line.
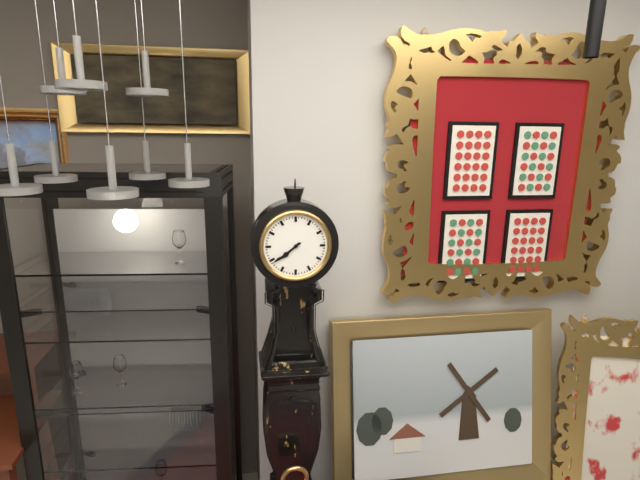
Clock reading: 7h39
